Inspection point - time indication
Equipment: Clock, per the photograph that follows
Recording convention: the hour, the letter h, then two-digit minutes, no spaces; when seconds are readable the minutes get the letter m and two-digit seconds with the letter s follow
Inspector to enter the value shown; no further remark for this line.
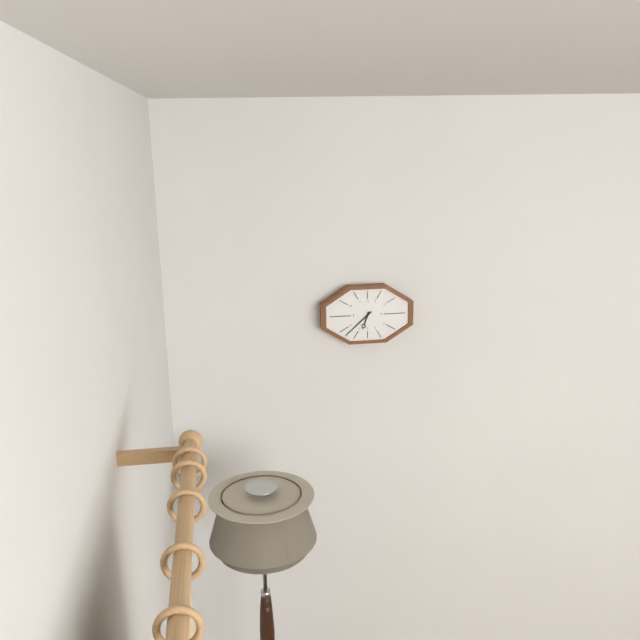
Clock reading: 6h38
